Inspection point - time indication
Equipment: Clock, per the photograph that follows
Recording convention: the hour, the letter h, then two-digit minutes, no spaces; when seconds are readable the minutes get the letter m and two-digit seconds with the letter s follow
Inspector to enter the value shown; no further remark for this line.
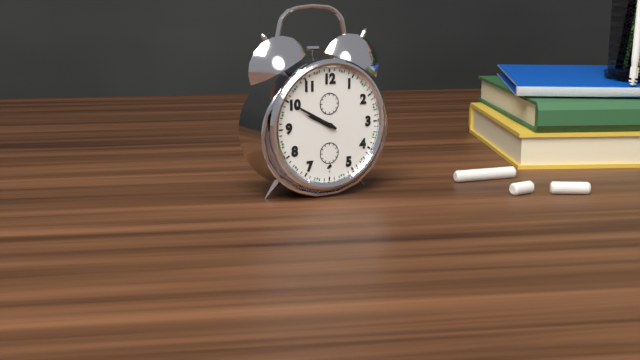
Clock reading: 9h50
